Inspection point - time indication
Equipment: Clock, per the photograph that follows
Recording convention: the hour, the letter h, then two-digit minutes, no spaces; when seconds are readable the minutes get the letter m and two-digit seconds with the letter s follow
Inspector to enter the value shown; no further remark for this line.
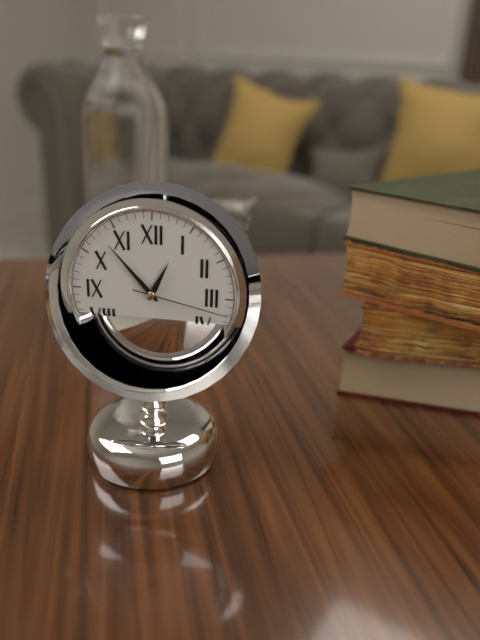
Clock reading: 12h53m17s
